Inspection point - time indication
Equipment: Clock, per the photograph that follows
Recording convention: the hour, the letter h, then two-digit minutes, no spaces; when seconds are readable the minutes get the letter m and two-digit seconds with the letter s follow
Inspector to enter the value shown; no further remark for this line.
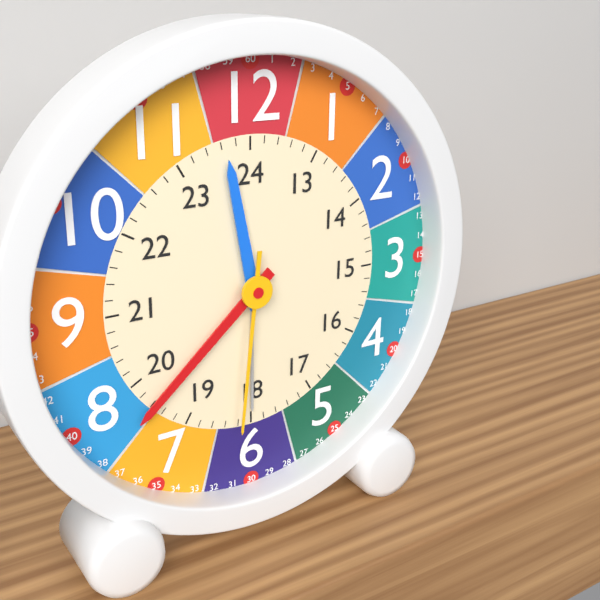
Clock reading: 11h38m31s
